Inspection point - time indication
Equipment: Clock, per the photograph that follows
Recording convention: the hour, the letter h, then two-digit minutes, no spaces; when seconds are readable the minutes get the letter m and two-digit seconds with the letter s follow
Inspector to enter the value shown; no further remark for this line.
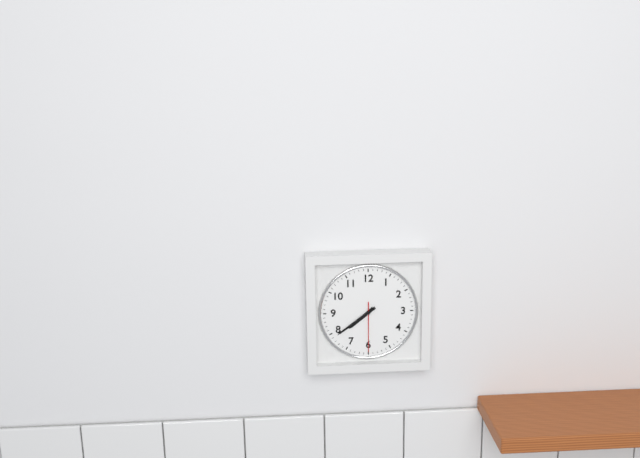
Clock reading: 7h39
